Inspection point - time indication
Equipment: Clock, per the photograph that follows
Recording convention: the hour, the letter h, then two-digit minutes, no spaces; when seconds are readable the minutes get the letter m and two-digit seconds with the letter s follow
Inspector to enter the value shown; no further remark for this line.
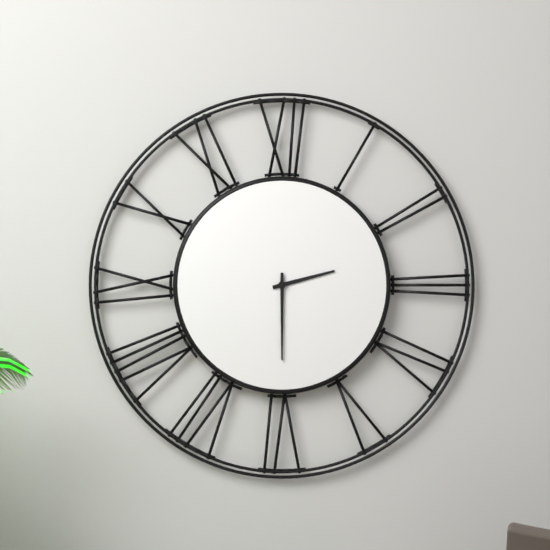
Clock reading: 2h30
